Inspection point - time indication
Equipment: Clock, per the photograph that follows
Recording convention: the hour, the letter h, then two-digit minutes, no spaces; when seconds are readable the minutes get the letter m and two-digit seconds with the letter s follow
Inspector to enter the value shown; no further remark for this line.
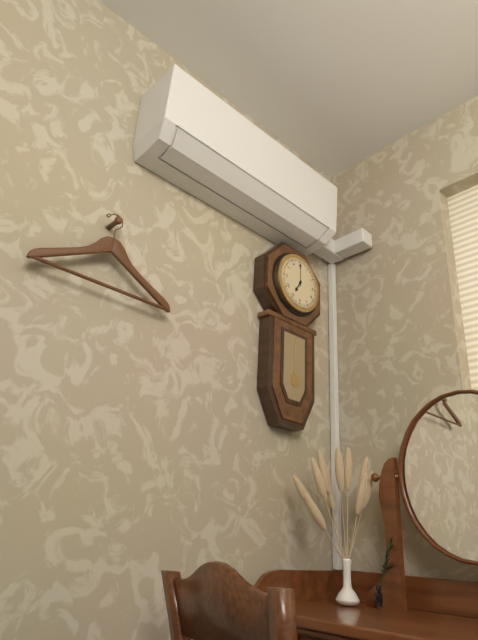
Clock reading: 7h00
